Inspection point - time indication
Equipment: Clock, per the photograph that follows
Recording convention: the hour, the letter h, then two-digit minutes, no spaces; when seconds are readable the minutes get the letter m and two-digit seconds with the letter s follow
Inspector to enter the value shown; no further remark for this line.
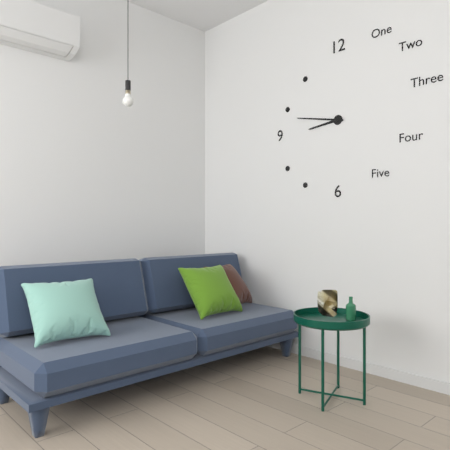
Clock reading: 8h47
